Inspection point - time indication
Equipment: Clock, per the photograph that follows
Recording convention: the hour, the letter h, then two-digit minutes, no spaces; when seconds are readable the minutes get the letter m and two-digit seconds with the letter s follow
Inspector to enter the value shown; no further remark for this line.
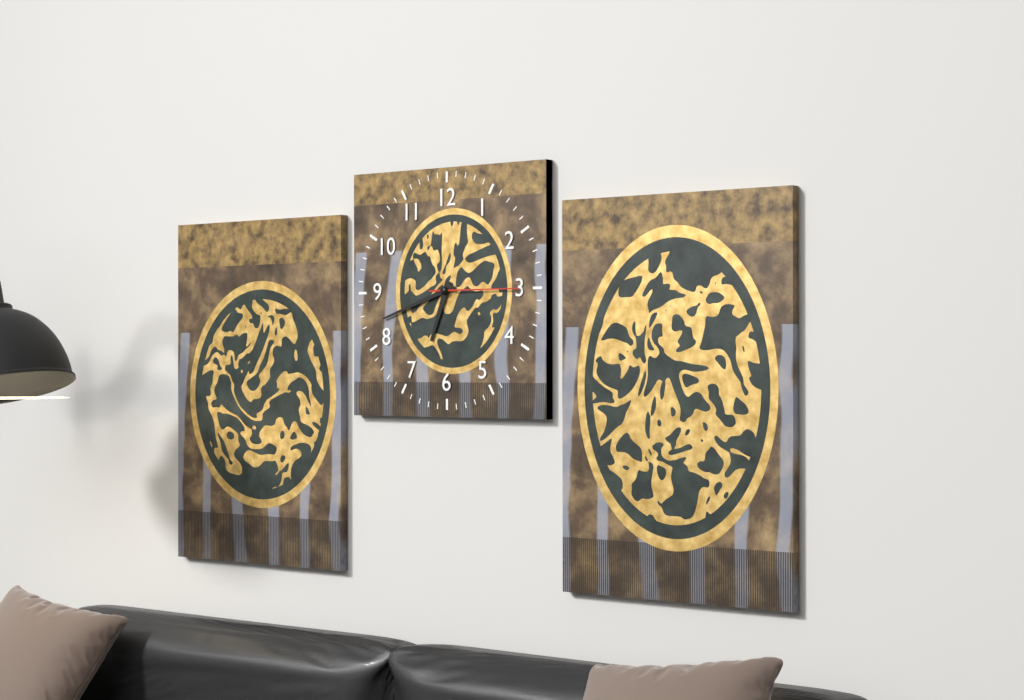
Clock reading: 6h42m15s
